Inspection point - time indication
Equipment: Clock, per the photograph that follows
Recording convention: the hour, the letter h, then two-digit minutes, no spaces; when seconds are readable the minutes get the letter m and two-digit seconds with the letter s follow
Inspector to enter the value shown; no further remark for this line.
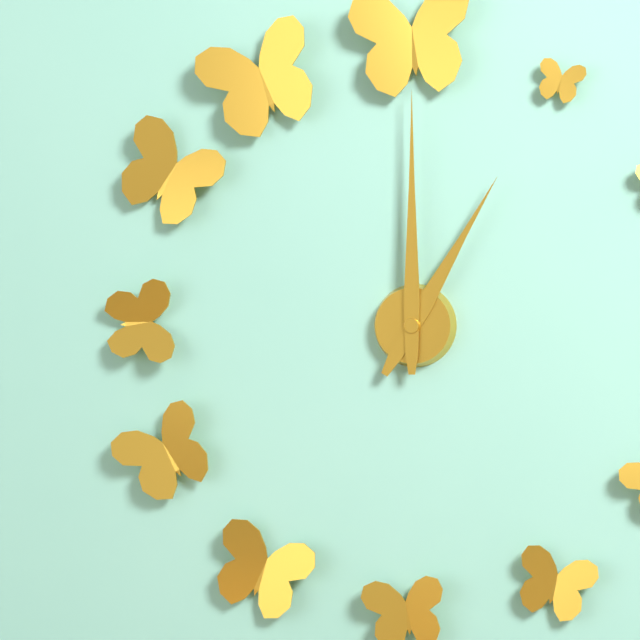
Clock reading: 1h00
